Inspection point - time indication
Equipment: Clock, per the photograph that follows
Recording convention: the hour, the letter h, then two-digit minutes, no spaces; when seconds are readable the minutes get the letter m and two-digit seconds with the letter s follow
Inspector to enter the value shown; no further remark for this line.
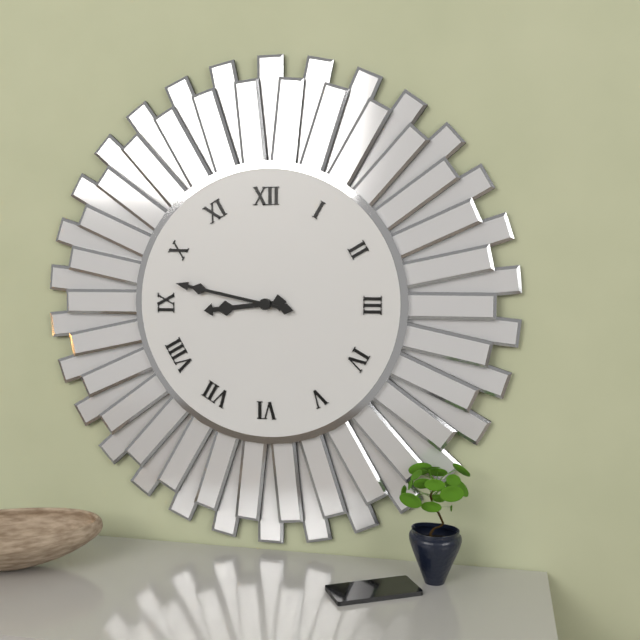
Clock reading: 8h47
